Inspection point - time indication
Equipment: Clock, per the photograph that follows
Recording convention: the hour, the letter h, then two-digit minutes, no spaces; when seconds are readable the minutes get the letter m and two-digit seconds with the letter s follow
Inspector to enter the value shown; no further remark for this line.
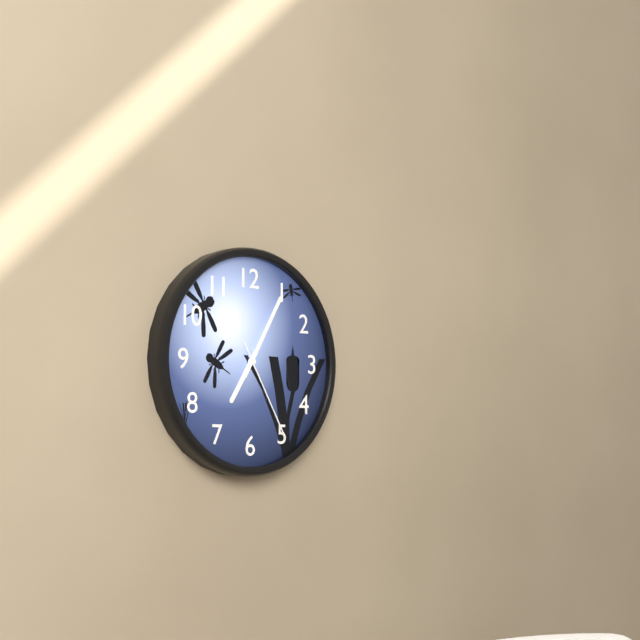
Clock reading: 7h05m25s
